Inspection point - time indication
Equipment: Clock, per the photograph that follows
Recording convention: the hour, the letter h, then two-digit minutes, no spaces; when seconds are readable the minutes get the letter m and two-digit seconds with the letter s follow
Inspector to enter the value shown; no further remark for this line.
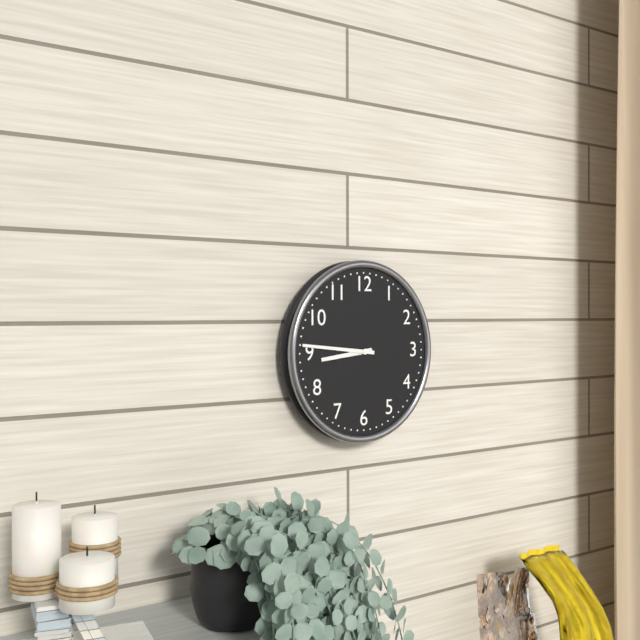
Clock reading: 8h46
